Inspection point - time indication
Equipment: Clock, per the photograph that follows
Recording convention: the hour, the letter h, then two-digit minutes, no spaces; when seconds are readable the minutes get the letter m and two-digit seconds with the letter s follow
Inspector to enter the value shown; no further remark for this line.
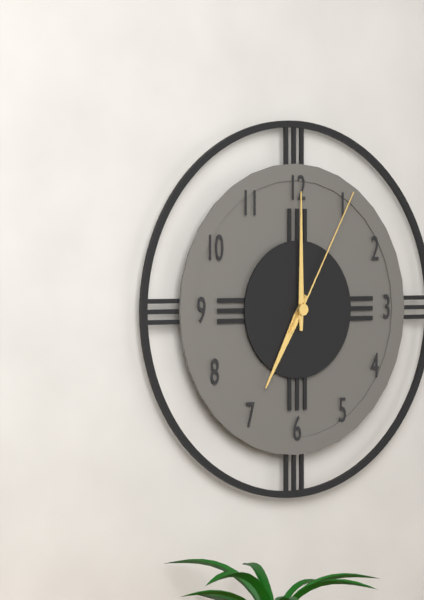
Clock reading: 7h00m05s
